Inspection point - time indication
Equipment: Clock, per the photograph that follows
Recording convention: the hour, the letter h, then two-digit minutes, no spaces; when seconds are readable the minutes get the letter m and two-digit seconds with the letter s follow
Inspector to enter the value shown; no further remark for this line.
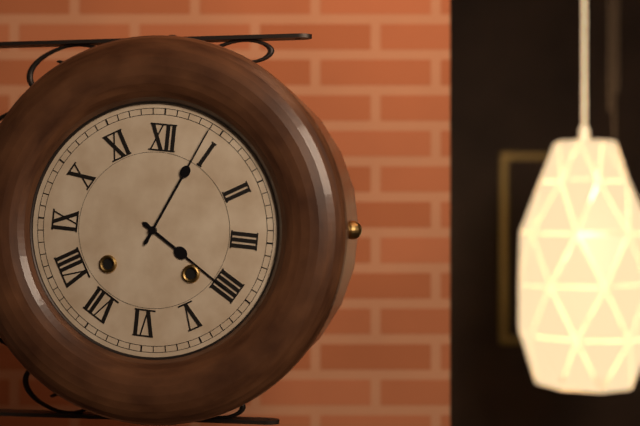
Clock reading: 4h04
